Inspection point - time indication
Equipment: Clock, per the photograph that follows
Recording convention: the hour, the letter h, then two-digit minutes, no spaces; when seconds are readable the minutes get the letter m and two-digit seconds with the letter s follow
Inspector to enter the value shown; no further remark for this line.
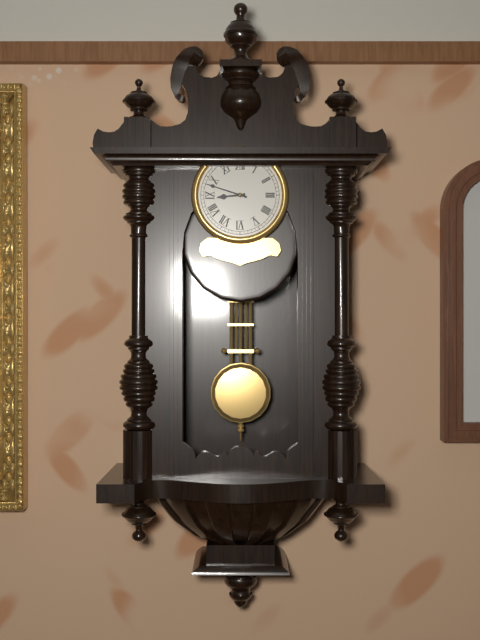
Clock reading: 8h48
